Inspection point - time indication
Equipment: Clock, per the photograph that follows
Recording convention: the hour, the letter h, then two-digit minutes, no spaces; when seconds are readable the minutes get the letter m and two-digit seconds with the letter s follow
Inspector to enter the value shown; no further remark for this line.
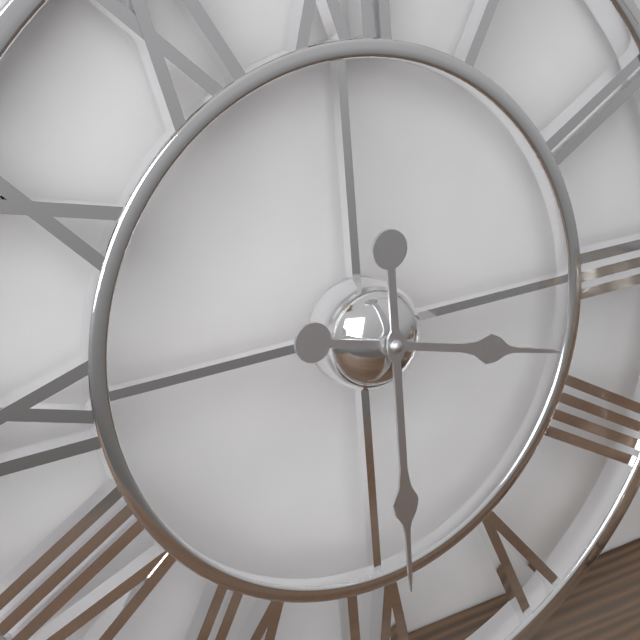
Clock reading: 3h30
